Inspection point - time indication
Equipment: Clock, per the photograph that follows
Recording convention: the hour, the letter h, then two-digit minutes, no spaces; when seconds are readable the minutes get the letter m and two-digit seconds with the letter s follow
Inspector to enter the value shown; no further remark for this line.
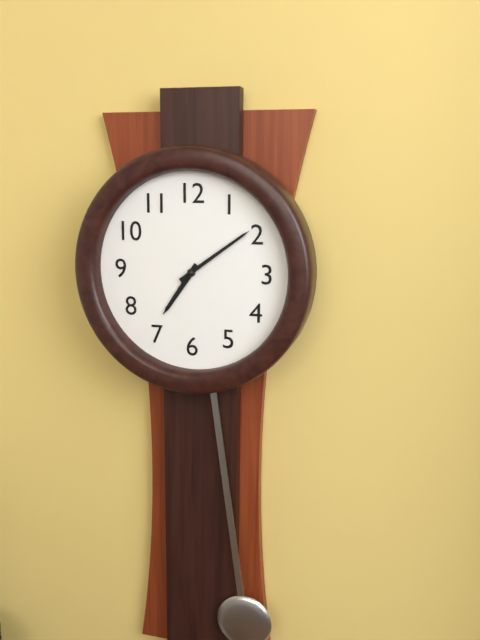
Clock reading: 7h09
